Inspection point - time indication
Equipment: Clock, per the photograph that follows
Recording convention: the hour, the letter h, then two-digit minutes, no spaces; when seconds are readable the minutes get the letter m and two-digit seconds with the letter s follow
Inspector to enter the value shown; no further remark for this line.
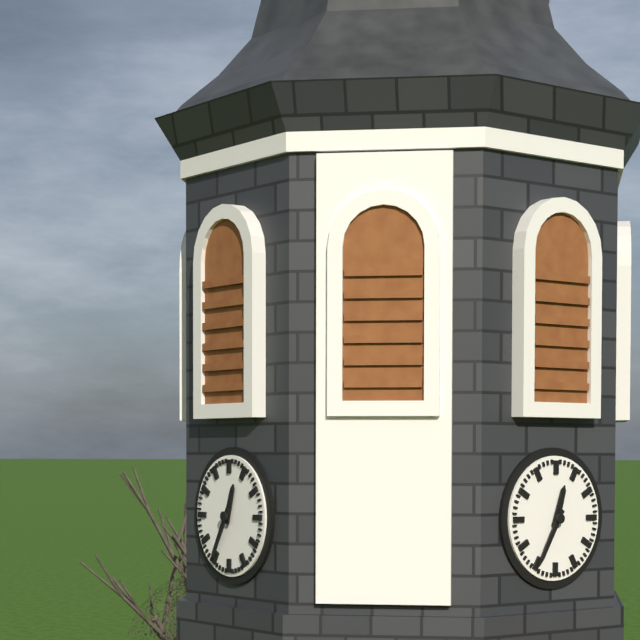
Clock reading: 12h35
